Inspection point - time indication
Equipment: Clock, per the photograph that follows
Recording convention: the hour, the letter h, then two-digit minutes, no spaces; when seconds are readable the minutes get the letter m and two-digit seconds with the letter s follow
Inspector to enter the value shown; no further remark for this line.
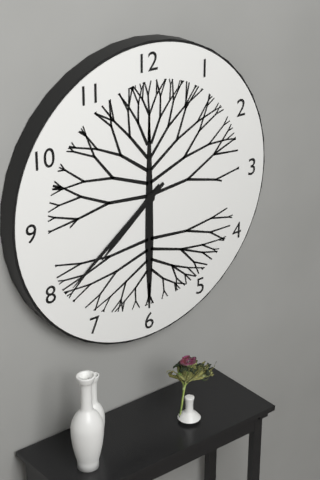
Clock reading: 7h39
